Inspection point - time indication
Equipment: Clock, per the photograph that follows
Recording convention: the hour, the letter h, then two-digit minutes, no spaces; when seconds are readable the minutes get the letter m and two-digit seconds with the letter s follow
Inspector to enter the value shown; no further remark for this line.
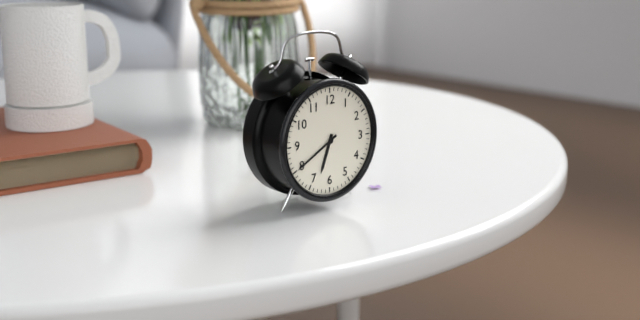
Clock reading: 6h40
